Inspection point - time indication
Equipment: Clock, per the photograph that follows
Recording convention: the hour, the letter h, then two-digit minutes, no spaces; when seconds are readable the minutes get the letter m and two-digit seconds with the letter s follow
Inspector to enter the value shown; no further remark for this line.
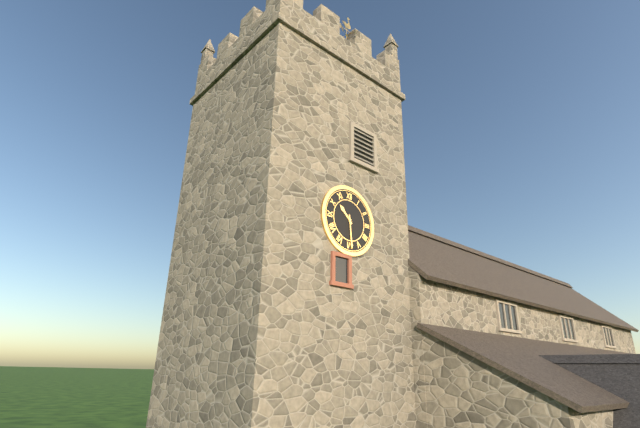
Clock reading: 10h29
